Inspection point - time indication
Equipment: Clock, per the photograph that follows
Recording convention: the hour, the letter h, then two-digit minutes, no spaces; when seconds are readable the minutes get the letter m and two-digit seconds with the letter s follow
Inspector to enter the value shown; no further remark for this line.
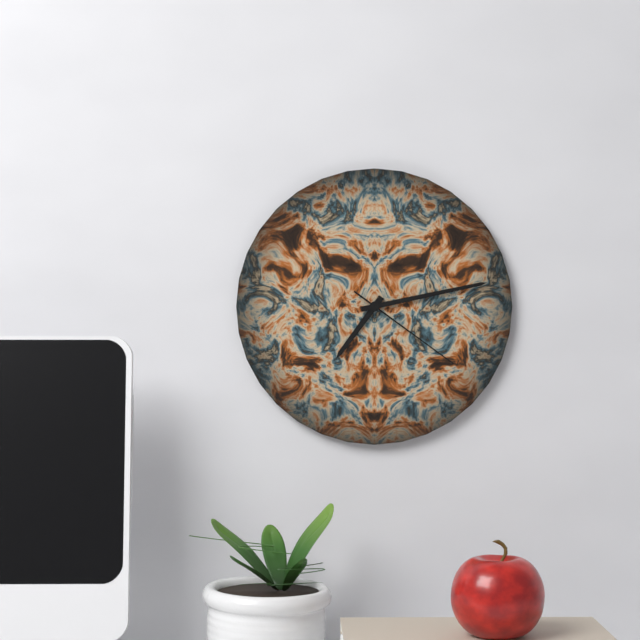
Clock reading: 7h13m21s
